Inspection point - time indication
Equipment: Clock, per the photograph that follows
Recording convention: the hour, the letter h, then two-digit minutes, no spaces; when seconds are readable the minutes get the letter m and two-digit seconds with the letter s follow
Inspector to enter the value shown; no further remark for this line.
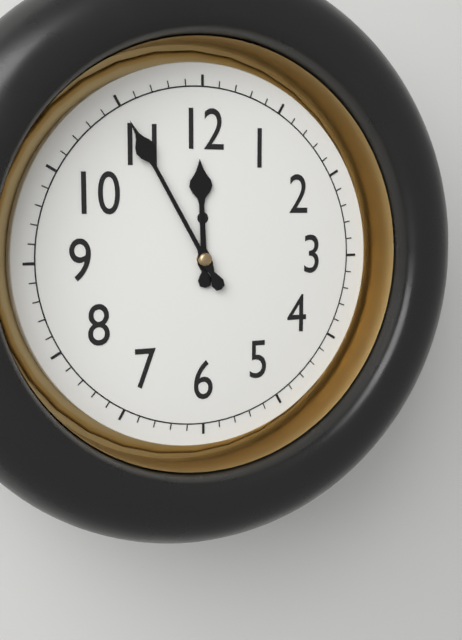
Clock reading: 11h55
